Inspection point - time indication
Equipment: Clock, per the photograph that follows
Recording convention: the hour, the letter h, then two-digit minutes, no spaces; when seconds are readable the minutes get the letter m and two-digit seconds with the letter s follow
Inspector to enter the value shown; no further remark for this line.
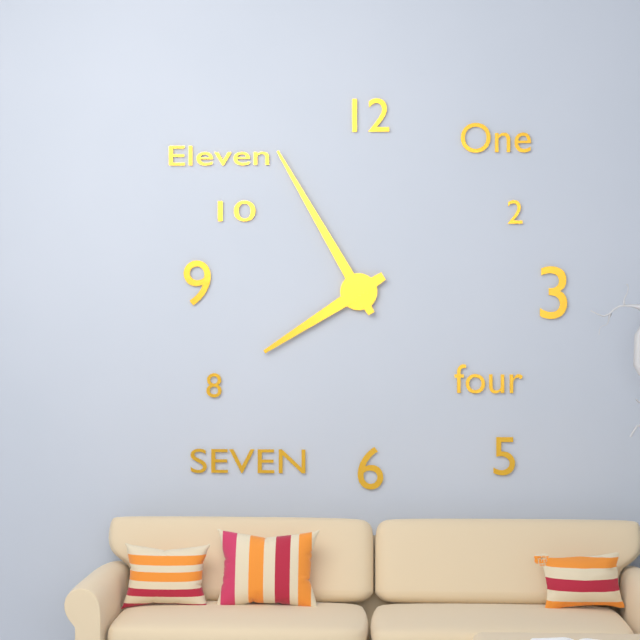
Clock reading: 7h55
